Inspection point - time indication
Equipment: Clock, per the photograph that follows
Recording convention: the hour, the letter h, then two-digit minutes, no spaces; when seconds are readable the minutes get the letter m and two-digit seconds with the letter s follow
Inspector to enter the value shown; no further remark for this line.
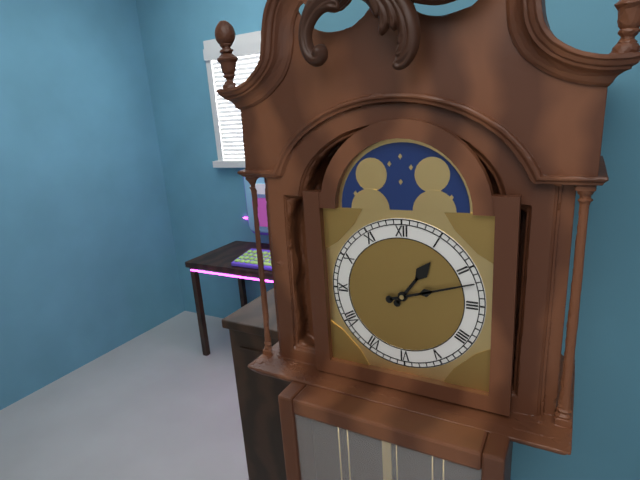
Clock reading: 1h12
